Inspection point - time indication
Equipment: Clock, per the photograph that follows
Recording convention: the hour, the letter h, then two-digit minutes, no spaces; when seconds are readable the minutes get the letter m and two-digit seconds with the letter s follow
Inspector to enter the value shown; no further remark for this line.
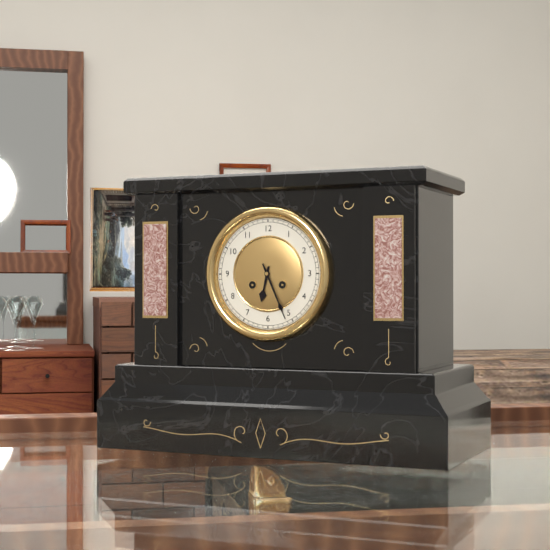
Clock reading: 6h26
